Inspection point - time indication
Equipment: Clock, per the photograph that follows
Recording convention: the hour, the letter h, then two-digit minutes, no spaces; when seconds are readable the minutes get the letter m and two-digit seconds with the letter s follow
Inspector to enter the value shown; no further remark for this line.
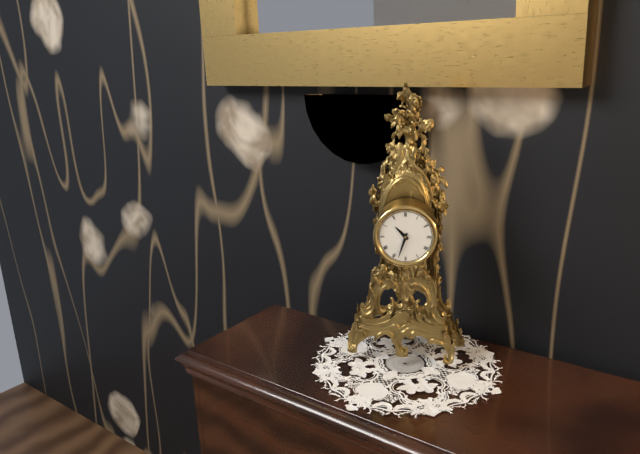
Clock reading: 10h33
